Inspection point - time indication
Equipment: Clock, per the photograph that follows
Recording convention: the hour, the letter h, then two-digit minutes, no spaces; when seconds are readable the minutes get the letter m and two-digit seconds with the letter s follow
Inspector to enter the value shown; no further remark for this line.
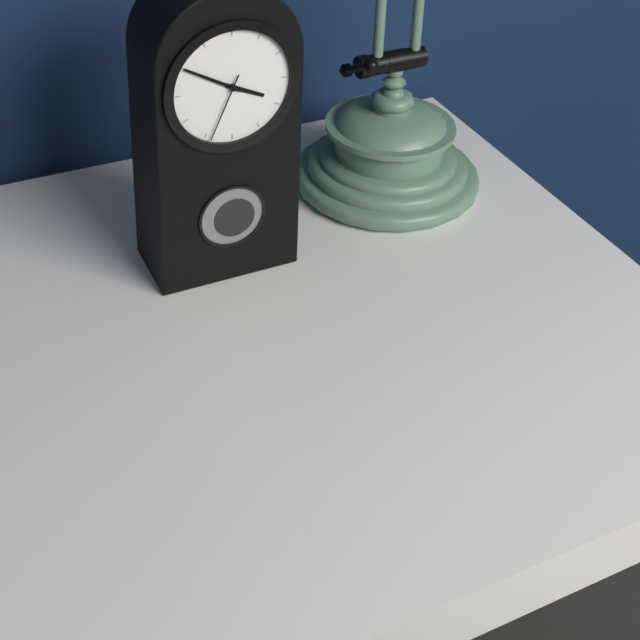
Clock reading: 3h50m34s
